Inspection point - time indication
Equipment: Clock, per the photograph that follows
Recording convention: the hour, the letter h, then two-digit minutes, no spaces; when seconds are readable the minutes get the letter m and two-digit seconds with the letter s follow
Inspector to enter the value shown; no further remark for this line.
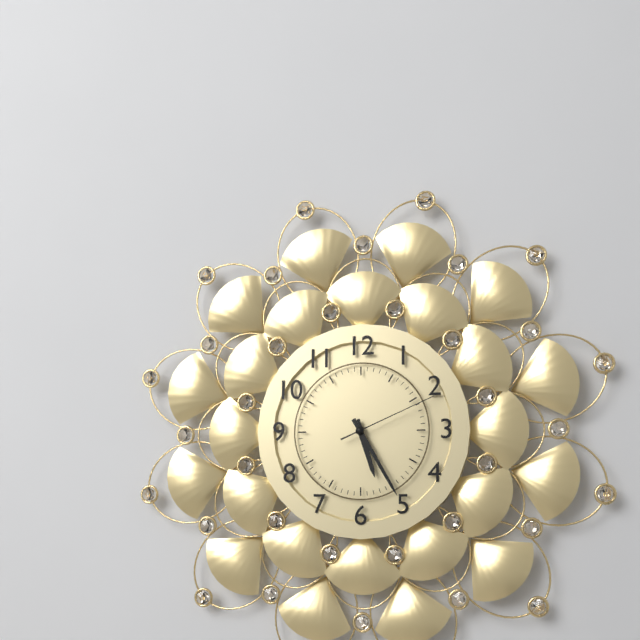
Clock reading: 5h25m11s
